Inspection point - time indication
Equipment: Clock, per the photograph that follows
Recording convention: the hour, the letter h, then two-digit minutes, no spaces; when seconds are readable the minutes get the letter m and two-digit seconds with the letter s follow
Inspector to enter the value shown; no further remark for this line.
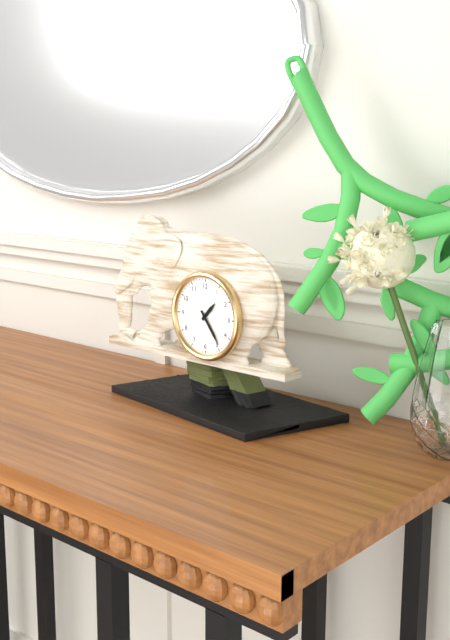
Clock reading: 1h24
